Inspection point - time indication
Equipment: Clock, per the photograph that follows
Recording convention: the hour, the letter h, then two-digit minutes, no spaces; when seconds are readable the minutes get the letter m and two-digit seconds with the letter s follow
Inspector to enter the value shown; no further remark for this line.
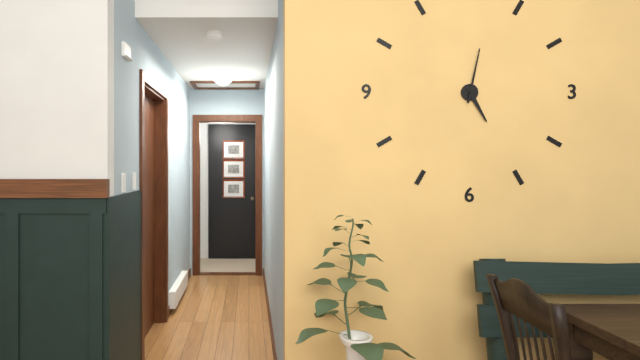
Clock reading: 5h02
